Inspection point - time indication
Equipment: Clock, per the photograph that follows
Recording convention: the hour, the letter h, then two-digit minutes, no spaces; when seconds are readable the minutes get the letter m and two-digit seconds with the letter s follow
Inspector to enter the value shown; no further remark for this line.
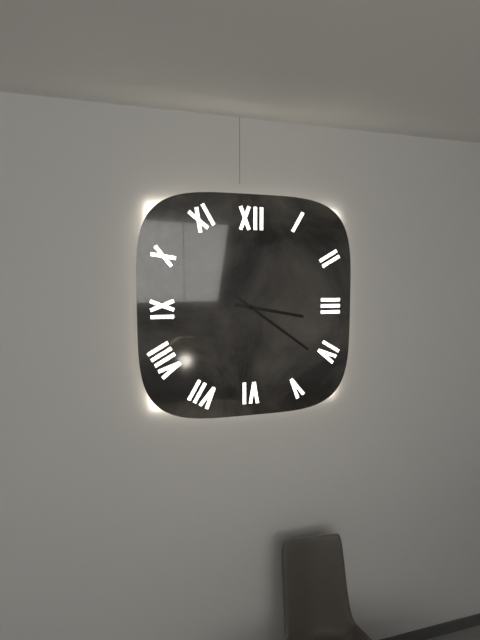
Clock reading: 3h21
